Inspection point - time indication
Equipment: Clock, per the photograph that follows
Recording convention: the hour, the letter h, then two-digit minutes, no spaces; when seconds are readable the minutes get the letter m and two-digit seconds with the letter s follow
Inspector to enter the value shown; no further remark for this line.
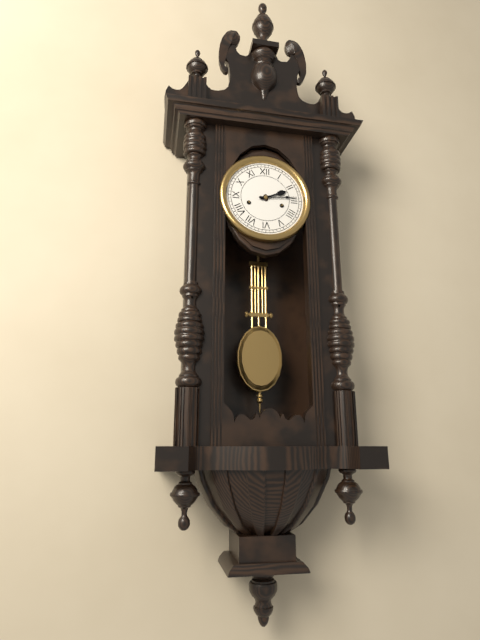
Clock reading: 2h14
